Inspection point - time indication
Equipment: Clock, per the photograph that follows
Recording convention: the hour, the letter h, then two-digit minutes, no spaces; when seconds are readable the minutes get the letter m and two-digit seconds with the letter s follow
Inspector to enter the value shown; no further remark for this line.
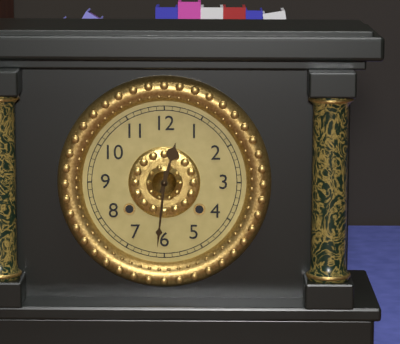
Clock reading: 12h31
